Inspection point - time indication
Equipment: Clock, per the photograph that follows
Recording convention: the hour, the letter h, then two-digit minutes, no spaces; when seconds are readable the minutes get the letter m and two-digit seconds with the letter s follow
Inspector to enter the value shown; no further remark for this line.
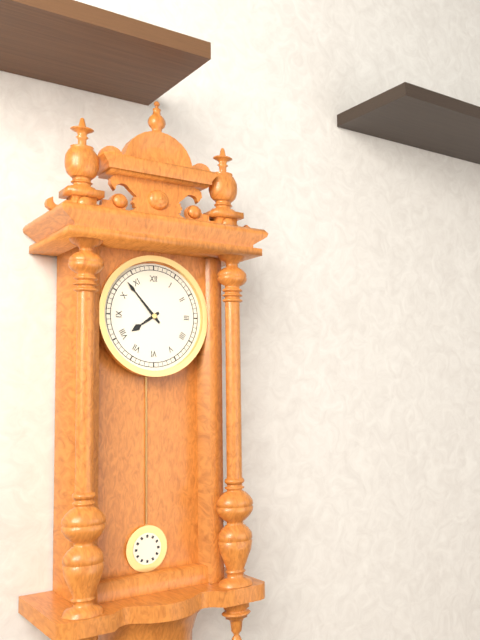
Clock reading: 7h53
